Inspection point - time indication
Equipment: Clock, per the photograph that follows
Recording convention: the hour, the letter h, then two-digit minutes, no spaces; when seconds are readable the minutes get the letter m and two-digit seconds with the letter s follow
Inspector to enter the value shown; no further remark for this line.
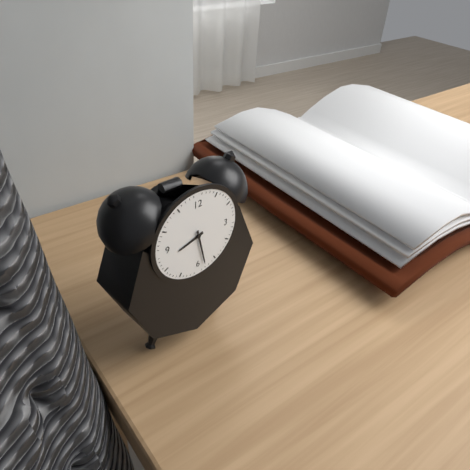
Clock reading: 8h28
